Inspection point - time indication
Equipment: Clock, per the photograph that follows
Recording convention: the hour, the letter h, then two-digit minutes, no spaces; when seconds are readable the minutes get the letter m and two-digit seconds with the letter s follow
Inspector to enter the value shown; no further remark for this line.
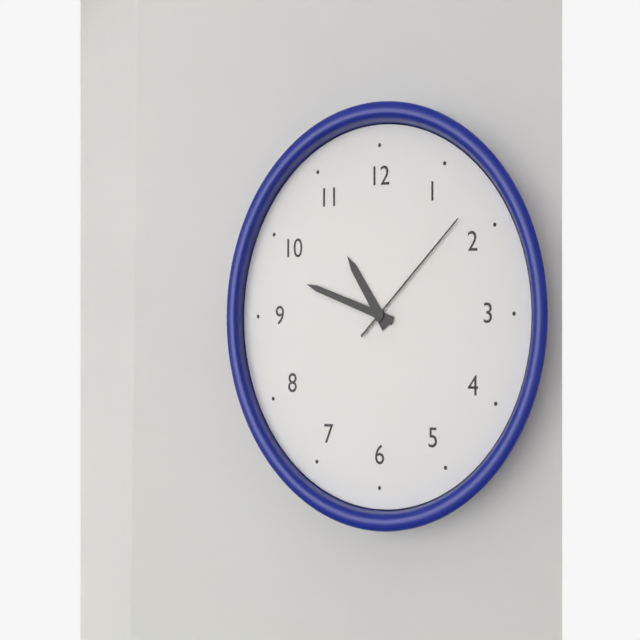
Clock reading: 10h48m08s
